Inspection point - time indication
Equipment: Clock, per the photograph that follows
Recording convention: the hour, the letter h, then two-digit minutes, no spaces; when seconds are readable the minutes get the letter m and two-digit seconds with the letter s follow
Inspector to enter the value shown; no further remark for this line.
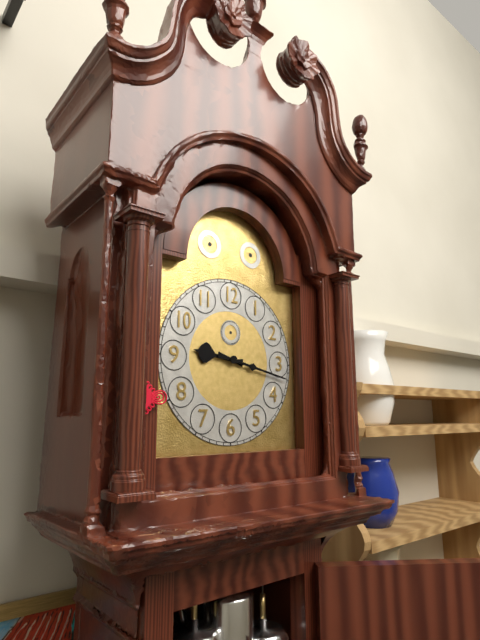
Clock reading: 9h17
